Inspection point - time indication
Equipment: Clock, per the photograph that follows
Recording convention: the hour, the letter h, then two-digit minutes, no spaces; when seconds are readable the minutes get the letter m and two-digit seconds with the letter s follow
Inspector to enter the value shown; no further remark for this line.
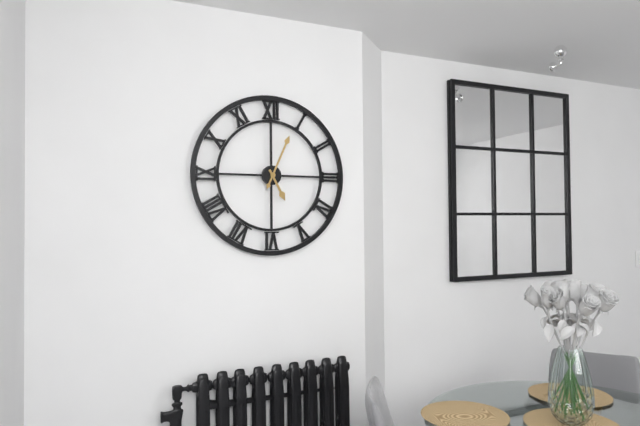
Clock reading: 5h04
